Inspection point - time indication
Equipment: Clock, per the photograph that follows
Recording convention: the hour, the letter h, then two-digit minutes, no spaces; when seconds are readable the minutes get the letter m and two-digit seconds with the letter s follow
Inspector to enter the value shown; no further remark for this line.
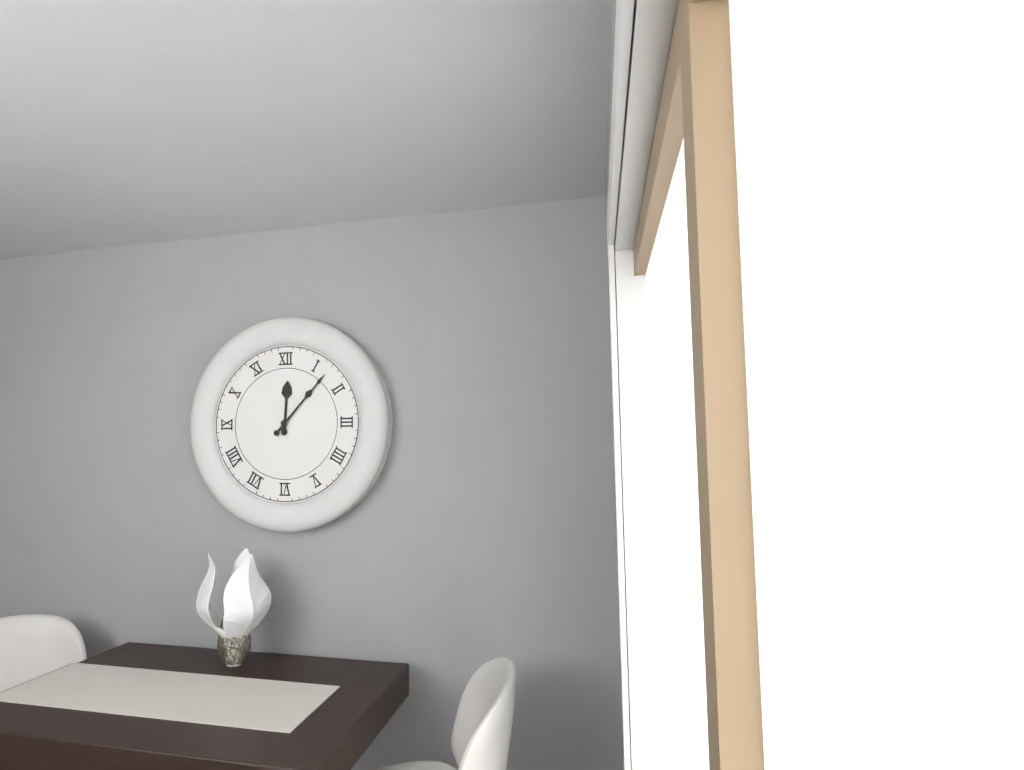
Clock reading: 12h07
